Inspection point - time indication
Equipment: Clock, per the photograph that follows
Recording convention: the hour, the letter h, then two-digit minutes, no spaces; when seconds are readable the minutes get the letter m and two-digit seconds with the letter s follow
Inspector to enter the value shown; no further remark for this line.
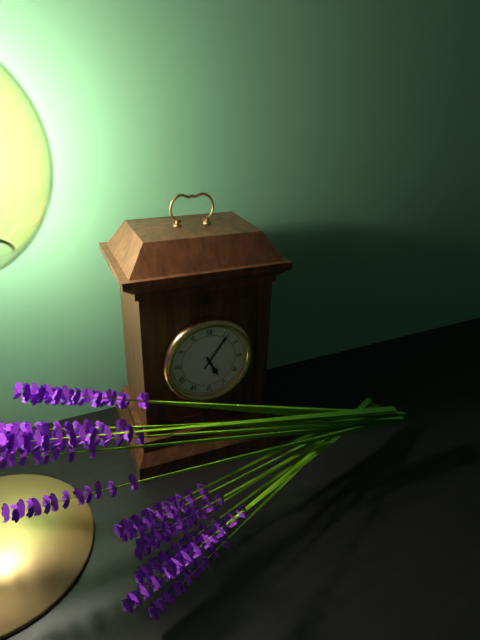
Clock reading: 5h06
